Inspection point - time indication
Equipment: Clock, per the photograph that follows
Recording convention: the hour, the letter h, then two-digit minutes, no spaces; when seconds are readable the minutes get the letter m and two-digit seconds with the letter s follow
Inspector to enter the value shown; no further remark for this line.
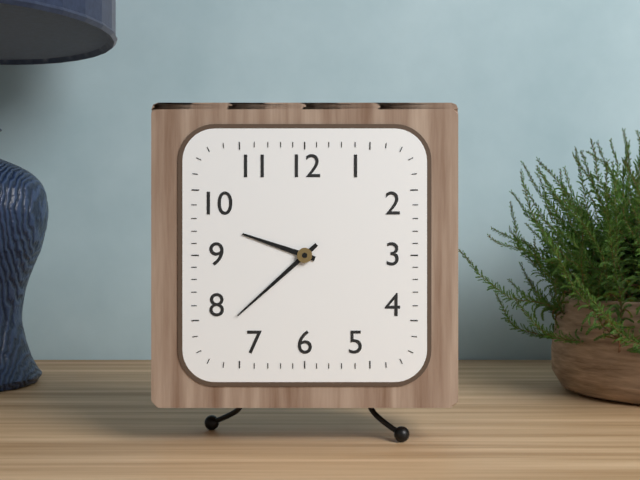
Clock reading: 9h38
